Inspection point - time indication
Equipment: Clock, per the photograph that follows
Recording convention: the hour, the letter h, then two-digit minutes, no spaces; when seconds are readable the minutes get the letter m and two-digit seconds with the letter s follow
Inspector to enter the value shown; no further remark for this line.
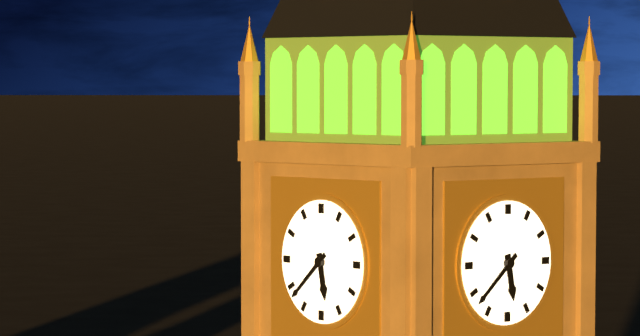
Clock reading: 5h38
